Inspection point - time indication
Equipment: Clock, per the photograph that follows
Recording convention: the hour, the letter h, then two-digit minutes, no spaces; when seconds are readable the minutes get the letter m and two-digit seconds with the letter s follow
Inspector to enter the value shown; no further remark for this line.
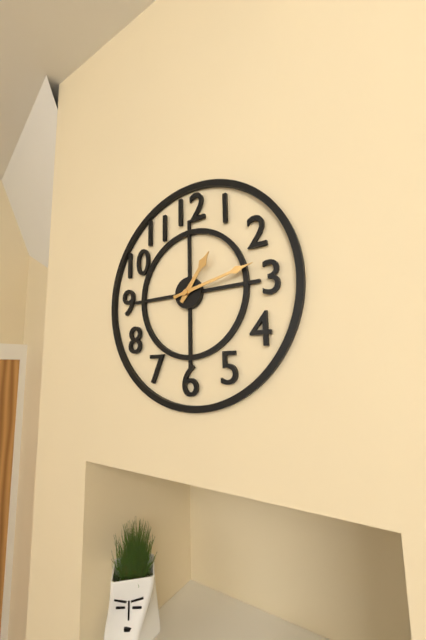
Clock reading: 1h13
